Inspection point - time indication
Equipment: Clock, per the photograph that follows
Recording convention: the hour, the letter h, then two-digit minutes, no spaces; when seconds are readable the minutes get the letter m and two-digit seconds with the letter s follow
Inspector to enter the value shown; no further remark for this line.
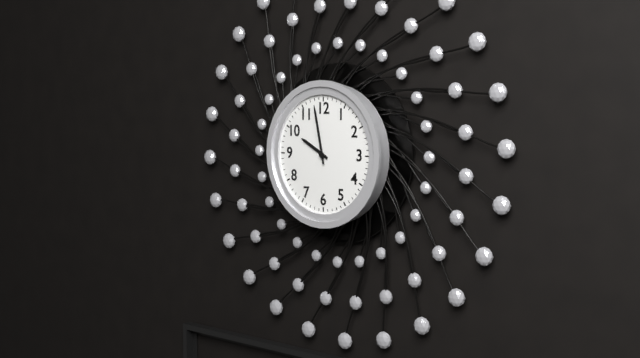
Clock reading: 9h58
